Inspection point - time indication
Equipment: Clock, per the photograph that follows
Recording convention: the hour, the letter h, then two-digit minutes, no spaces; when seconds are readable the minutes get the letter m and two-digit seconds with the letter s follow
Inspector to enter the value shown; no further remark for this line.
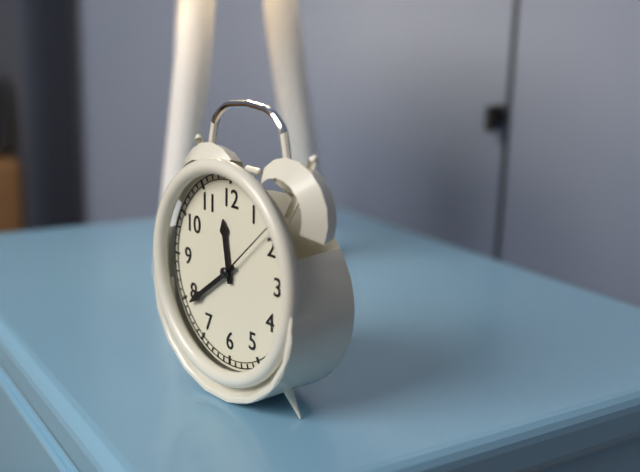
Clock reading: 11h39m08s
